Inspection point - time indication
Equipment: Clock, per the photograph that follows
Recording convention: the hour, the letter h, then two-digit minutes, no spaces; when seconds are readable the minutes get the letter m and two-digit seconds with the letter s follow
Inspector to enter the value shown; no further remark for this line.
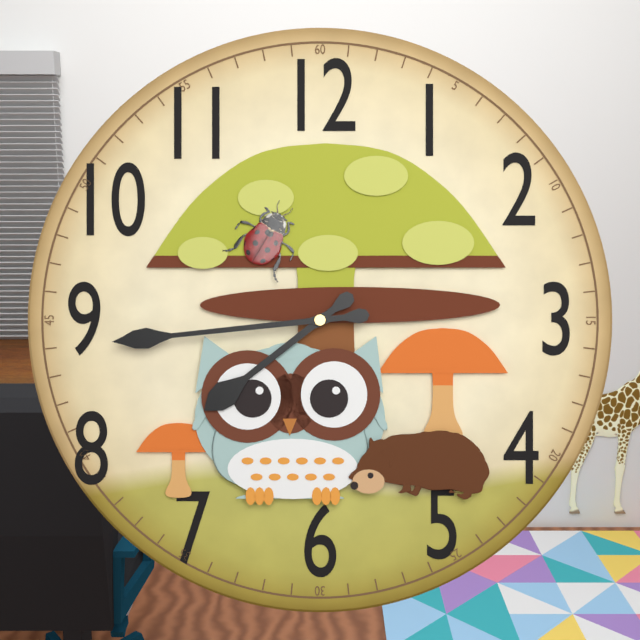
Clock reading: 7h44
